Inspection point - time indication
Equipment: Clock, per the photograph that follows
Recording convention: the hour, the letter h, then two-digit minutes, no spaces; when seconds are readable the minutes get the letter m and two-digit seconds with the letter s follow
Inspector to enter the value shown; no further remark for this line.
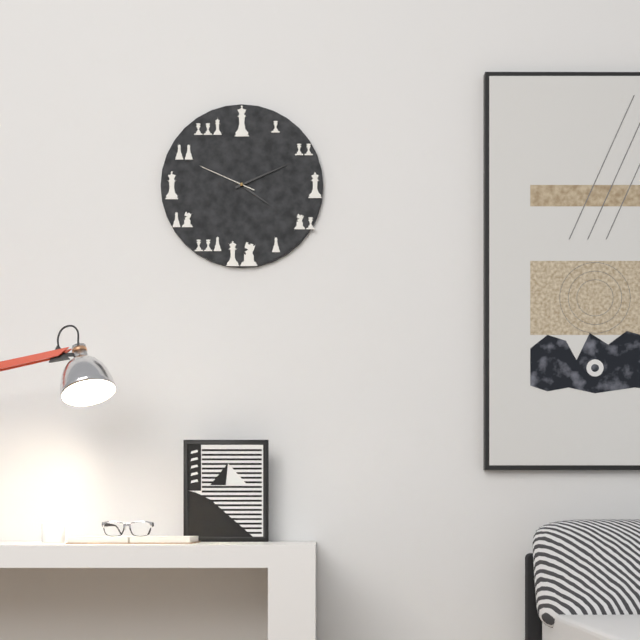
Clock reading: 4h11m49s
